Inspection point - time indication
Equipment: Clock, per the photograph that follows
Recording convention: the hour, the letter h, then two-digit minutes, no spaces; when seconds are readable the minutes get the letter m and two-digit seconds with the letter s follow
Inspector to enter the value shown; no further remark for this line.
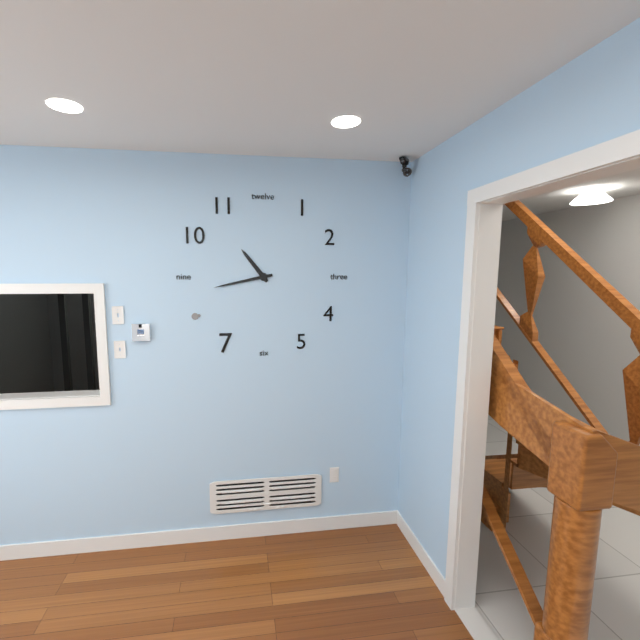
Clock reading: 10h43
